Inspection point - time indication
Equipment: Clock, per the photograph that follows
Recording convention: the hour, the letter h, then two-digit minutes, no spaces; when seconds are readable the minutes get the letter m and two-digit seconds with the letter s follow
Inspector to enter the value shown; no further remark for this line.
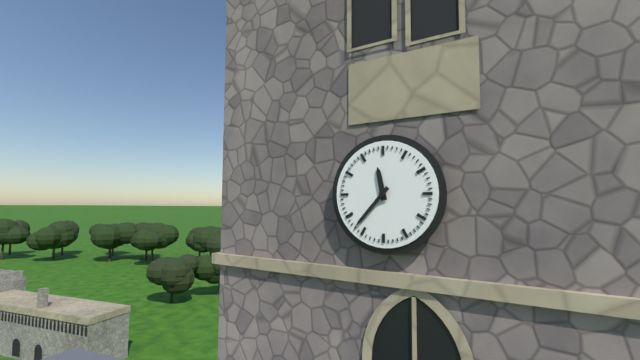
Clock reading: 11h37
